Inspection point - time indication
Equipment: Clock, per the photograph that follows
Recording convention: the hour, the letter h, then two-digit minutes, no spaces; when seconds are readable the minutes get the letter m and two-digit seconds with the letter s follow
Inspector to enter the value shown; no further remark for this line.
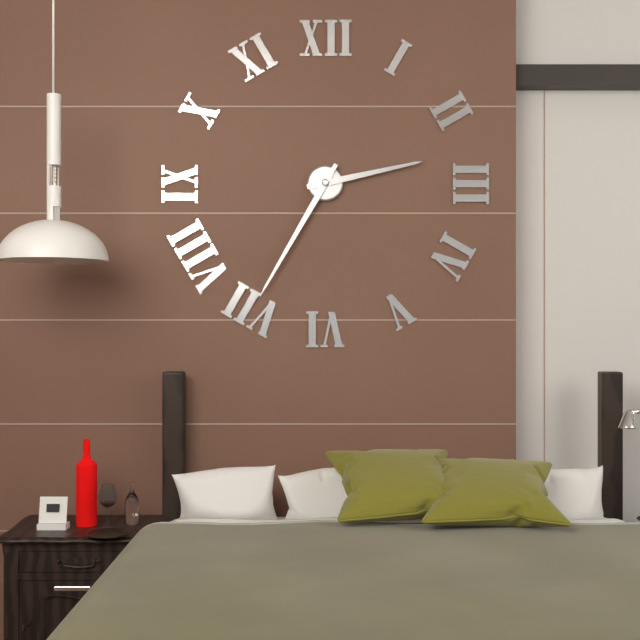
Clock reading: 2h35
